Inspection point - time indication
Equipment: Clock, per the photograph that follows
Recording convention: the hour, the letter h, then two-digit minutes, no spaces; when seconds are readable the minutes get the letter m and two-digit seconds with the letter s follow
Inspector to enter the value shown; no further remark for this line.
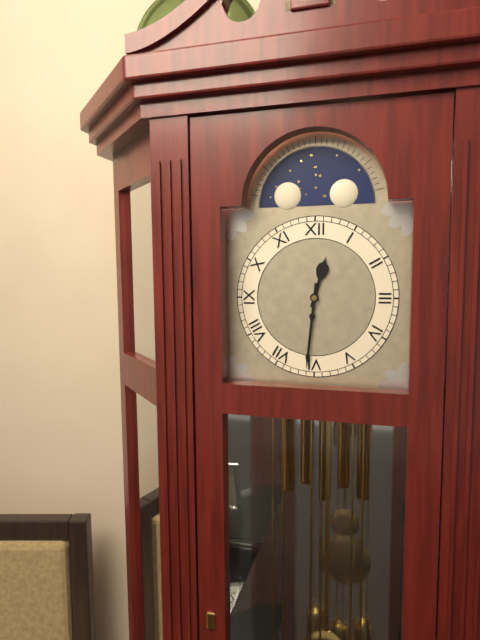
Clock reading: 12h31
